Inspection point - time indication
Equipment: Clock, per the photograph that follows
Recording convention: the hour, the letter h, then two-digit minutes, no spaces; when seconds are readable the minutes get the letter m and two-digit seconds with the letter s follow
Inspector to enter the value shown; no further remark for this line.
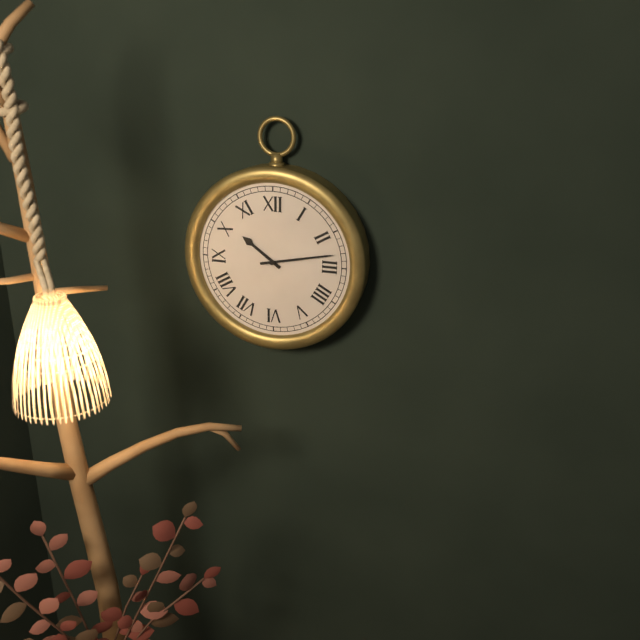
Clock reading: 10h13
